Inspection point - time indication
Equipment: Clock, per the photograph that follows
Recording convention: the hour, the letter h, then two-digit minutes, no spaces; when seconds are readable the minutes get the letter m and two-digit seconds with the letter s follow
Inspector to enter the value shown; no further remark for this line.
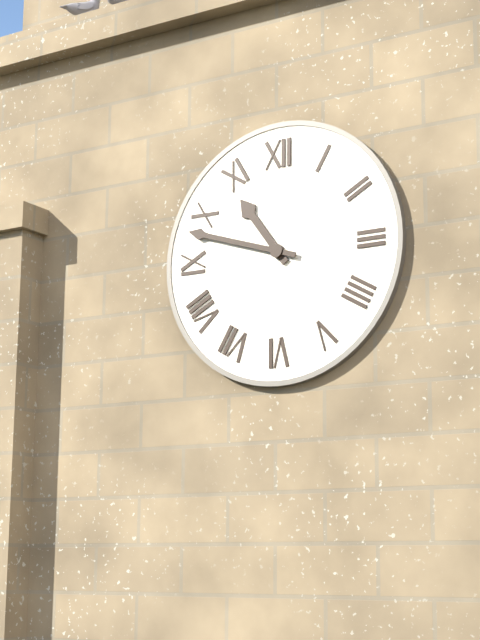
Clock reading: 10h48
